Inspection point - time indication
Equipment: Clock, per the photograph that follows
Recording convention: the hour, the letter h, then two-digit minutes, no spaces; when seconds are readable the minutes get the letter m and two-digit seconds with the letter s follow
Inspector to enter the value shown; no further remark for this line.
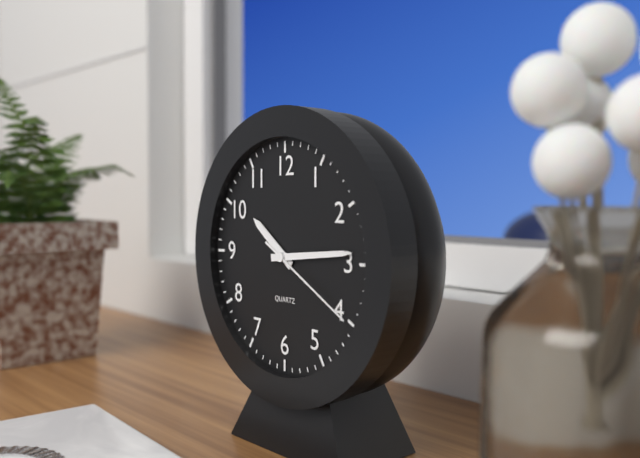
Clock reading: 10h14m20s
